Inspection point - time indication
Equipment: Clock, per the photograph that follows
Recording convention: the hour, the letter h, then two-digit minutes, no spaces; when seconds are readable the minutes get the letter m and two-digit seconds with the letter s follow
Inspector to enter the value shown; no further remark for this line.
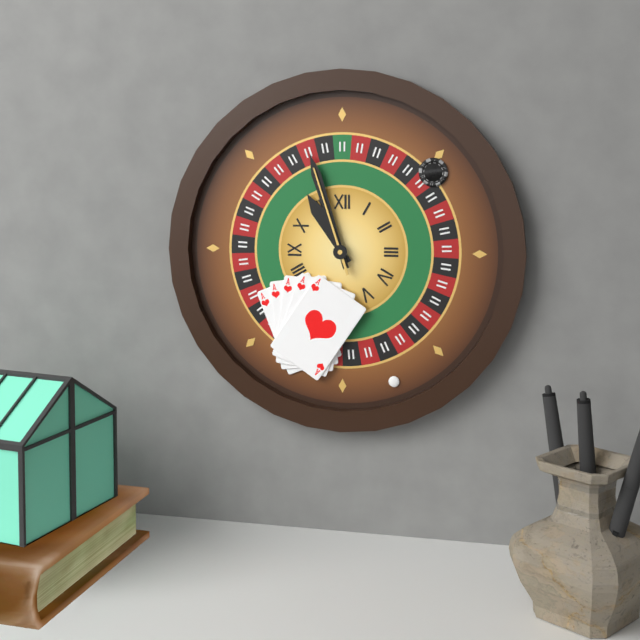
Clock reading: 10h57m57s
